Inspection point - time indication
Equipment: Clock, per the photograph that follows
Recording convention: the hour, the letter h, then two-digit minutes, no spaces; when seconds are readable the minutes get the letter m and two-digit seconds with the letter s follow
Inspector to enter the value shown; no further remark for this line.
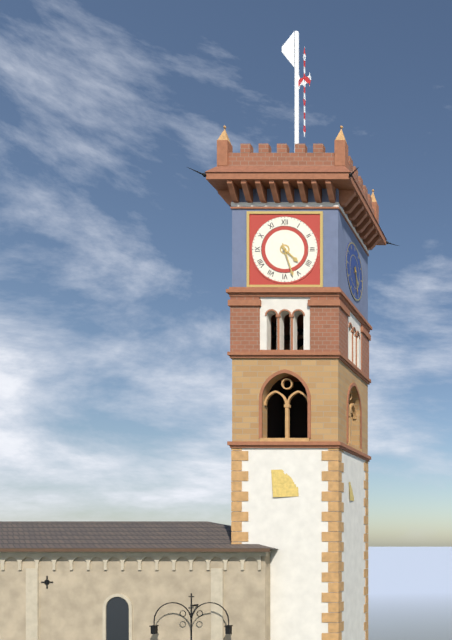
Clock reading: 4h27
